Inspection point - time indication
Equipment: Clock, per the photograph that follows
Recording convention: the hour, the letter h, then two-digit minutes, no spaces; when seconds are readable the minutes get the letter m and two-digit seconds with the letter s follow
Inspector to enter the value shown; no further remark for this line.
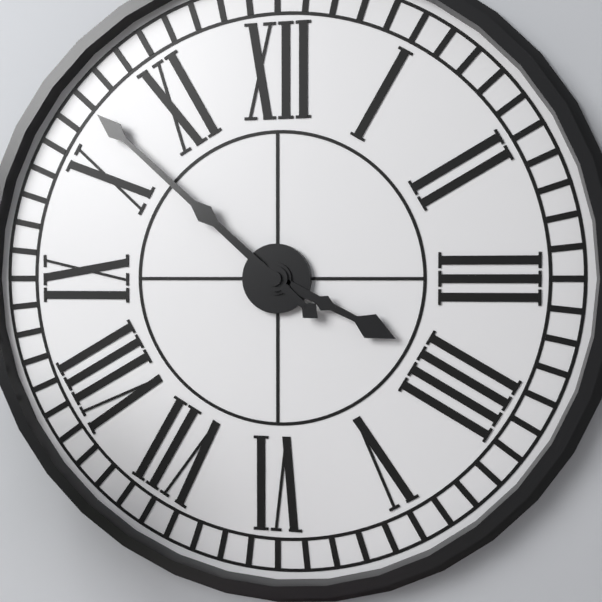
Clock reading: 3h52
